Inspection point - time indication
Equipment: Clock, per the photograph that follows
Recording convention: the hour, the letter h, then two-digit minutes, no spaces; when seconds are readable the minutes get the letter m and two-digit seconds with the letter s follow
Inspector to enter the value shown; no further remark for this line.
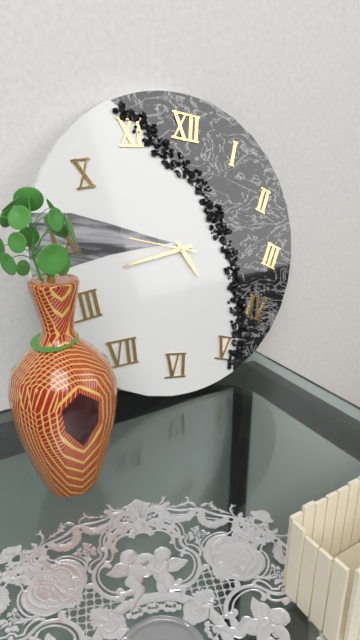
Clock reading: 4h42m46s
